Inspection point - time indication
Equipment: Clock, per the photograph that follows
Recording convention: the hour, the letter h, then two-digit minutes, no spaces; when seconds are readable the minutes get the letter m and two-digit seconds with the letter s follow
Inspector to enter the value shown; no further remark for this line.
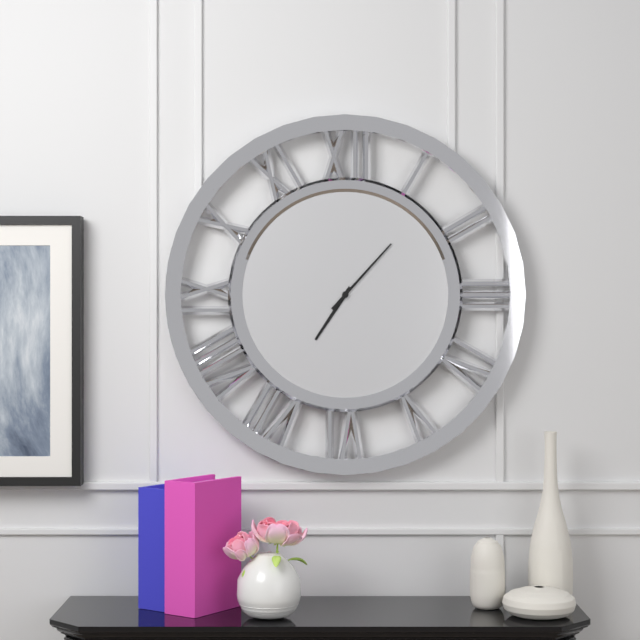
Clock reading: 7h07
